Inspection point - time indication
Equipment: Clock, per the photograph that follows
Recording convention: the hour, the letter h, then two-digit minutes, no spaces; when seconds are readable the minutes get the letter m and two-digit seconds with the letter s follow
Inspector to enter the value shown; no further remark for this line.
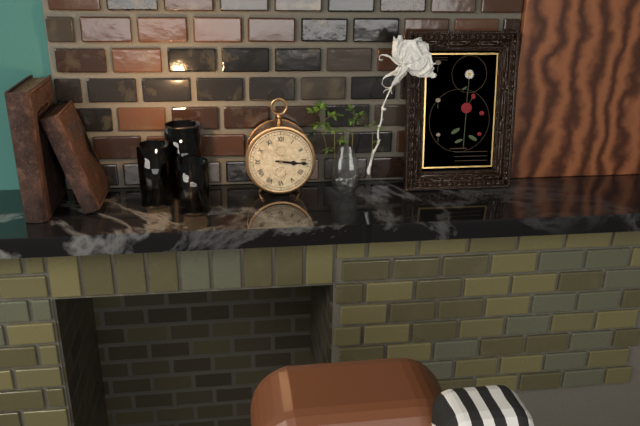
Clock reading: 3h16
